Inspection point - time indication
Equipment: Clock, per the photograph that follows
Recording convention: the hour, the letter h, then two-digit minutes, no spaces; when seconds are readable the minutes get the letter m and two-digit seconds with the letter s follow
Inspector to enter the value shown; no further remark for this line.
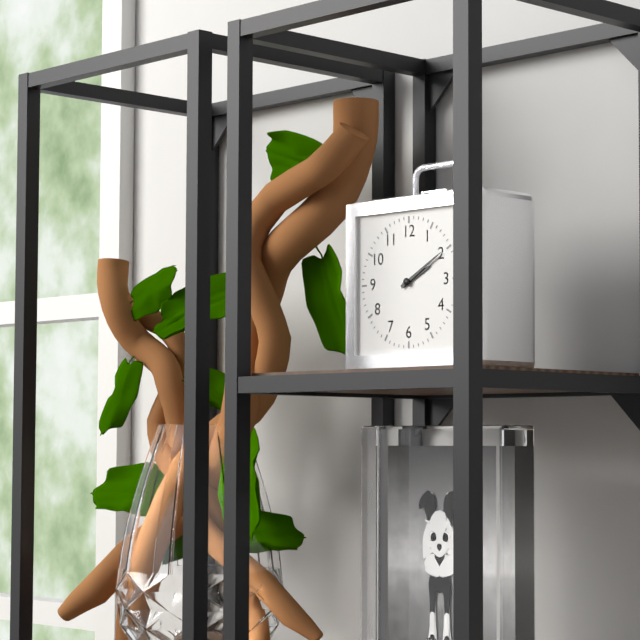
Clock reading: 2h10
